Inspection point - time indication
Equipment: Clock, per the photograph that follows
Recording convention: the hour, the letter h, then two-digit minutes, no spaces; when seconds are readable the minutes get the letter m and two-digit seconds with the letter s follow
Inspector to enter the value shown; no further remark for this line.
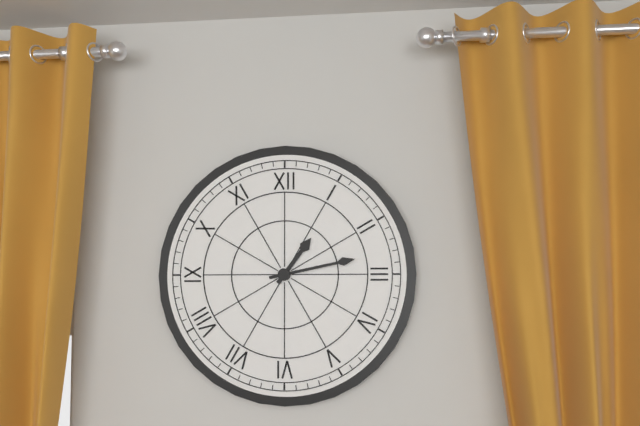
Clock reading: 1h13
